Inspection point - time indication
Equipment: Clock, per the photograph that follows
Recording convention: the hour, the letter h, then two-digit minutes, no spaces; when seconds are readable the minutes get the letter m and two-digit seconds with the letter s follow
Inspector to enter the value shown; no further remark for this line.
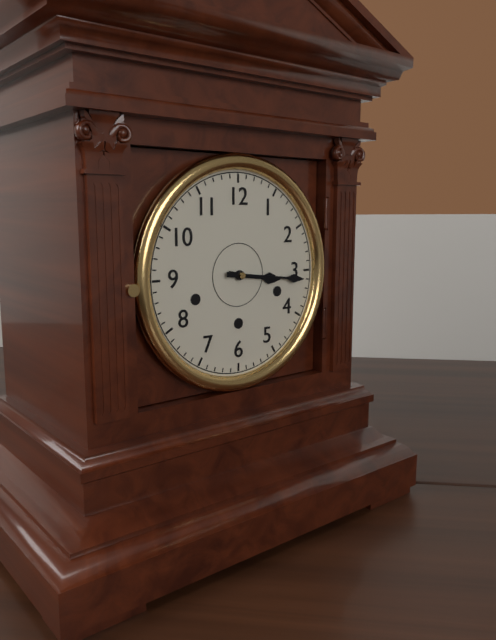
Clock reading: 3h16
